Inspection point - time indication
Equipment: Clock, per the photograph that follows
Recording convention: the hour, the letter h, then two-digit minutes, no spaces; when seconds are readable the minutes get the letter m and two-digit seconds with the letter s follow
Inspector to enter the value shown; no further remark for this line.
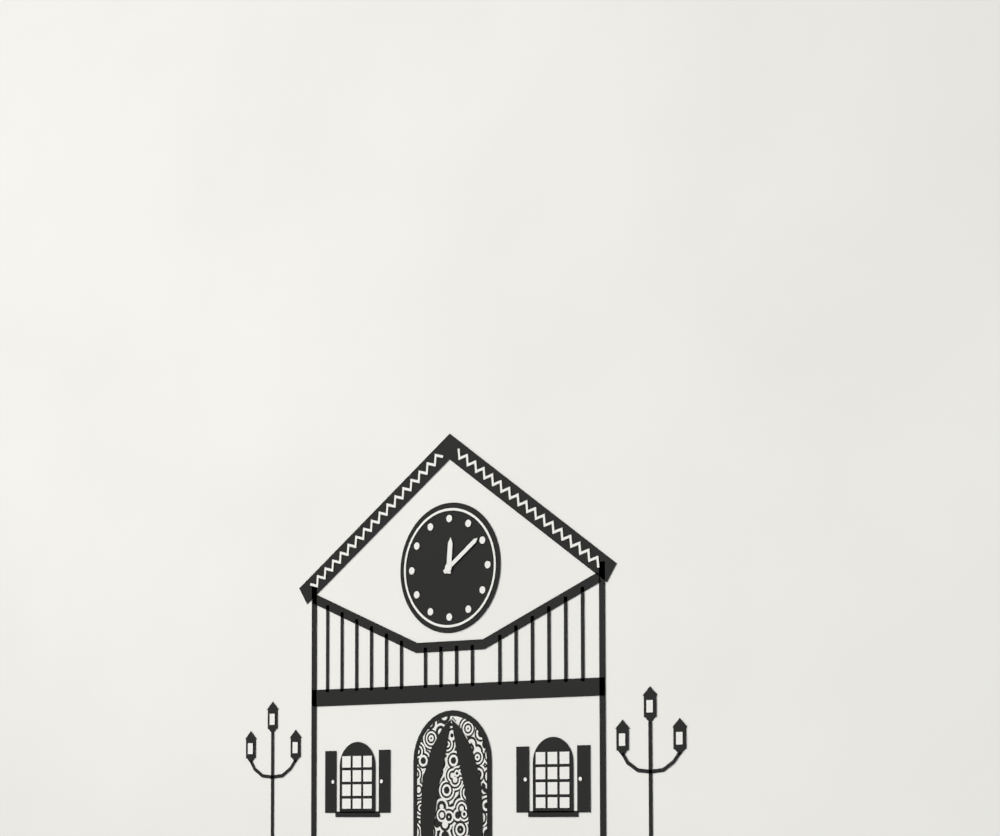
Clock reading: 12h09
